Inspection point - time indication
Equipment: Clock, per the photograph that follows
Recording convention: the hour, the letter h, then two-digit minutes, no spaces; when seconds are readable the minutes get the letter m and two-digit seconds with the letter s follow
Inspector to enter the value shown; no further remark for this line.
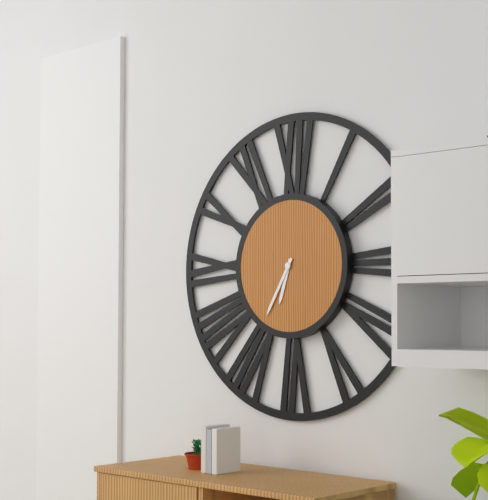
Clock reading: 6h35
